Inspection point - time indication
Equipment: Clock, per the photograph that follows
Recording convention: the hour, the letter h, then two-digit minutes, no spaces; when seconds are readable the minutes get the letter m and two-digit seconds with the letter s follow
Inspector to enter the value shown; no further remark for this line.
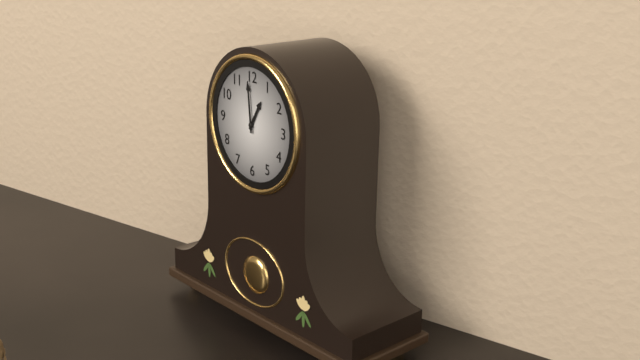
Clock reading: 12h59
